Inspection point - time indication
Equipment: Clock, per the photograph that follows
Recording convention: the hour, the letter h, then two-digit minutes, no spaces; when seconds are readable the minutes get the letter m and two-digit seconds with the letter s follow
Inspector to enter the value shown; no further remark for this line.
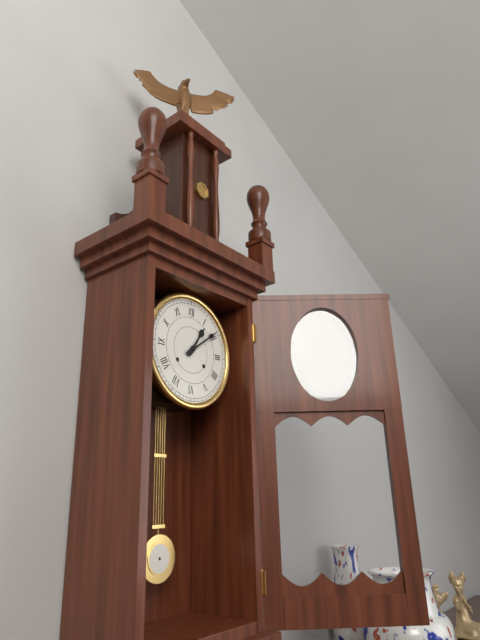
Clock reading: 1h09
